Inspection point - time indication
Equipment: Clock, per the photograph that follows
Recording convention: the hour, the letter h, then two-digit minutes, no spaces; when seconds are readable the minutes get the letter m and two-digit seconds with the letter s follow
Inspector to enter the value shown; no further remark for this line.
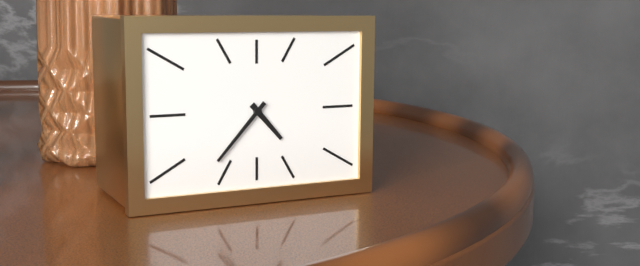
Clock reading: 4h37
